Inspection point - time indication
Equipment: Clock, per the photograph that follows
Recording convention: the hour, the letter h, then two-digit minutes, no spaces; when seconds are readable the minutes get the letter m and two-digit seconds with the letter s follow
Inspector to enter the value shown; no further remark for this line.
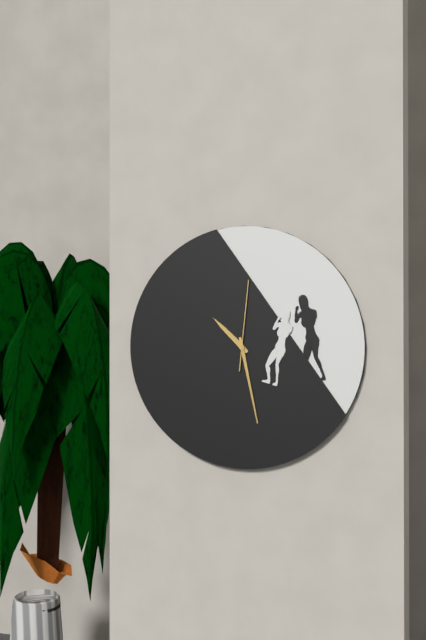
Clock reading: 10h28m01s
